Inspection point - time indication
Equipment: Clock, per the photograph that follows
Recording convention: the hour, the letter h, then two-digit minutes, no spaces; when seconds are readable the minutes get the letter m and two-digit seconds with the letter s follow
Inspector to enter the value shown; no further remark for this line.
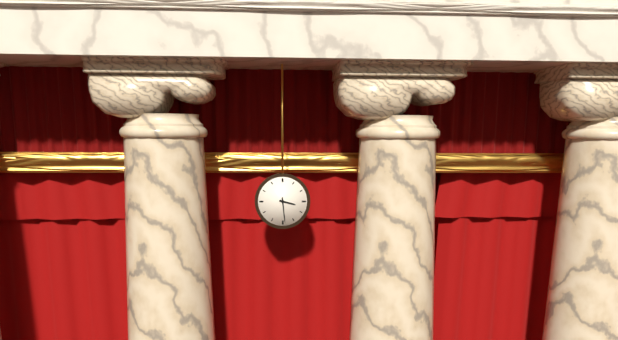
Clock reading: 3h29
